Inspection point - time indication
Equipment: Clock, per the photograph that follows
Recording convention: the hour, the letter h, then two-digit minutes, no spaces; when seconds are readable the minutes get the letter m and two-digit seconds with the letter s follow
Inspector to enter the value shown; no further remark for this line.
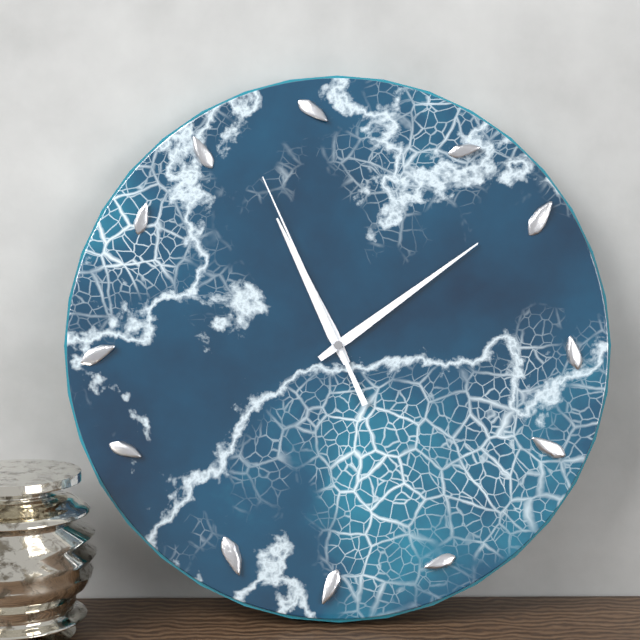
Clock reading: 11h09m56s
